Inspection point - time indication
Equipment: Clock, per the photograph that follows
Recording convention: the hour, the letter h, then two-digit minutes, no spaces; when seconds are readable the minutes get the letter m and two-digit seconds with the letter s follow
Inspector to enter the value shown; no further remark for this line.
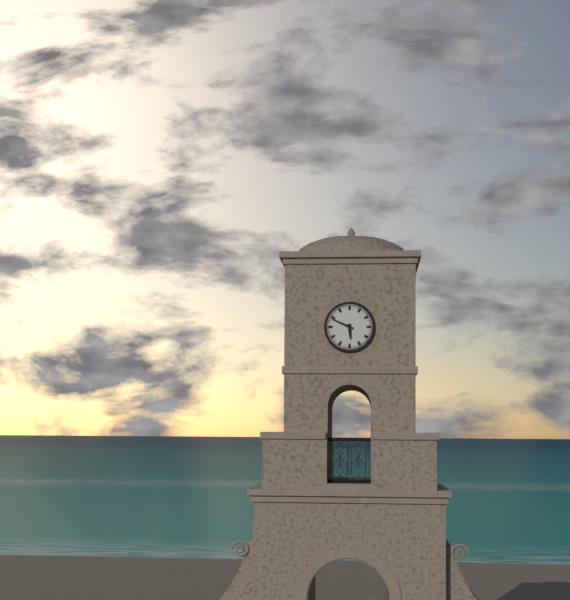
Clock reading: 5h49
